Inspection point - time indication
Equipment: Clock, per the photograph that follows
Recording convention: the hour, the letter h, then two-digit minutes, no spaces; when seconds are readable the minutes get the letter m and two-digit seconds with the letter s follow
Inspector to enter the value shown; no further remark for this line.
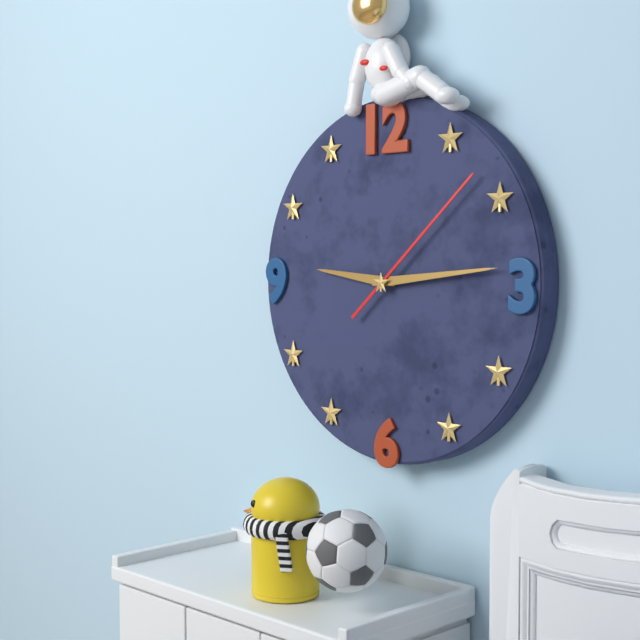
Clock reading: 9h14m08s
